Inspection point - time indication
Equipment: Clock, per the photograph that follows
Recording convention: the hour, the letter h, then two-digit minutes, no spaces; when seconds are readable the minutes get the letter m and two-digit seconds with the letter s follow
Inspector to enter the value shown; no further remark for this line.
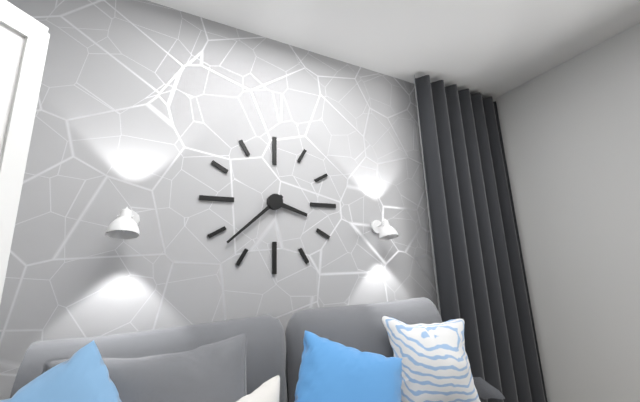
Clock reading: 3h38
